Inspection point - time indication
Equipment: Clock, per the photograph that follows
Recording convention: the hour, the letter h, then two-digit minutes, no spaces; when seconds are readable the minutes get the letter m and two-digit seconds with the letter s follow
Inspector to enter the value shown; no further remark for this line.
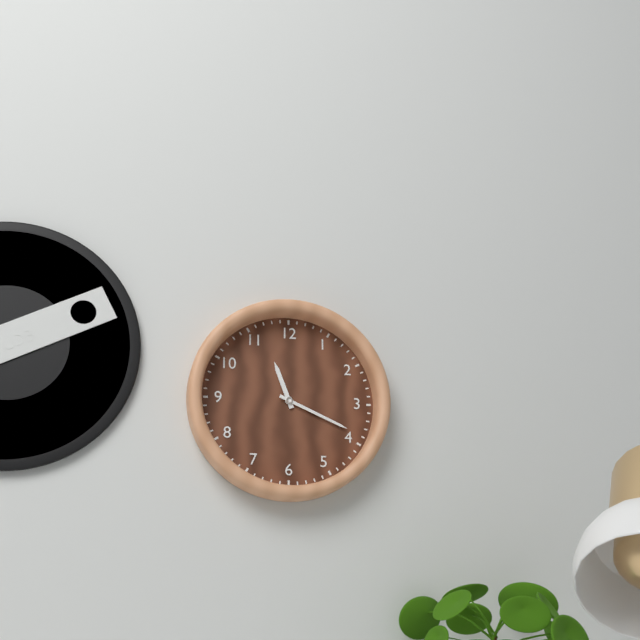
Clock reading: 11h19
